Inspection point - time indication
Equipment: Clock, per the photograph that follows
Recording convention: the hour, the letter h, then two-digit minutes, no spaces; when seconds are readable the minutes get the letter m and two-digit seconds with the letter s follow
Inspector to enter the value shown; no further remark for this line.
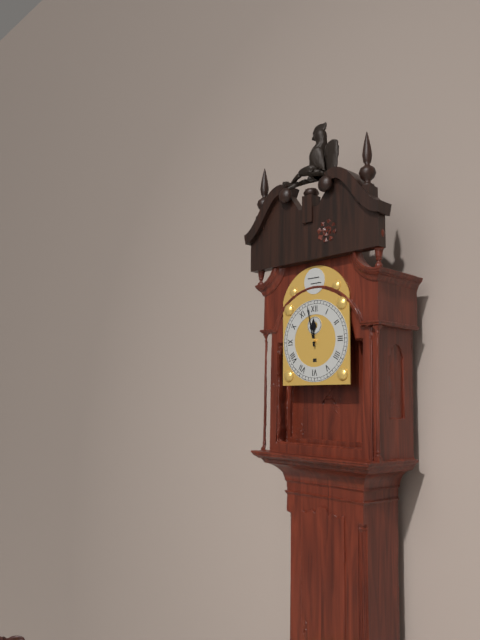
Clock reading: 11h58
